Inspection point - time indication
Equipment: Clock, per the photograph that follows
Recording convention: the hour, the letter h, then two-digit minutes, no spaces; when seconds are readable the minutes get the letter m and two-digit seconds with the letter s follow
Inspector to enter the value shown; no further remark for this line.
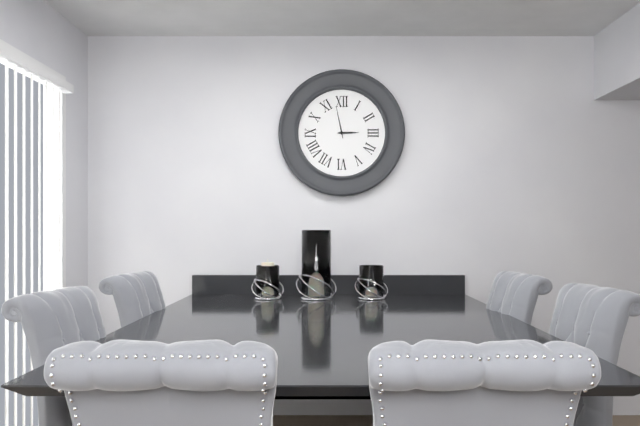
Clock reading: 2h58
